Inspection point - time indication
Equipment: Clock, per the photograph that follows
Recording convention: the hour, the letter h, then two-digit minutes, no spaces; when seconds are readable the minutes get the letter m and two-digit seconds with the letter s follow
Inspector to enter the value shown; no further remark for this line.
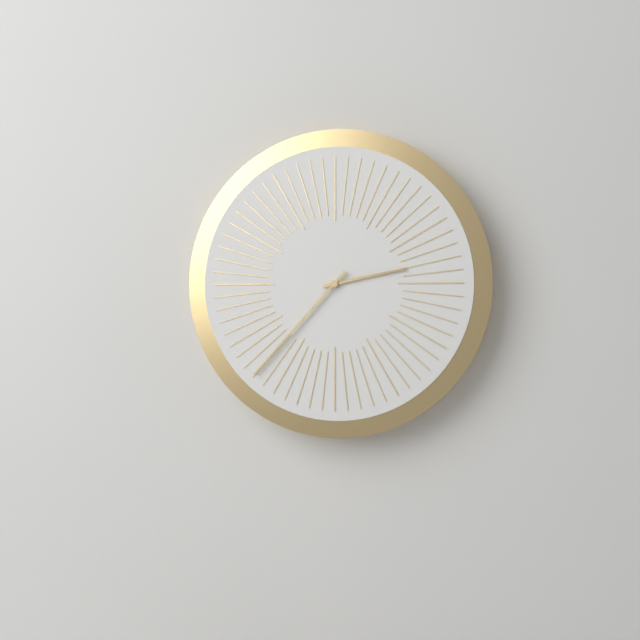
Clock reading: 2h37
